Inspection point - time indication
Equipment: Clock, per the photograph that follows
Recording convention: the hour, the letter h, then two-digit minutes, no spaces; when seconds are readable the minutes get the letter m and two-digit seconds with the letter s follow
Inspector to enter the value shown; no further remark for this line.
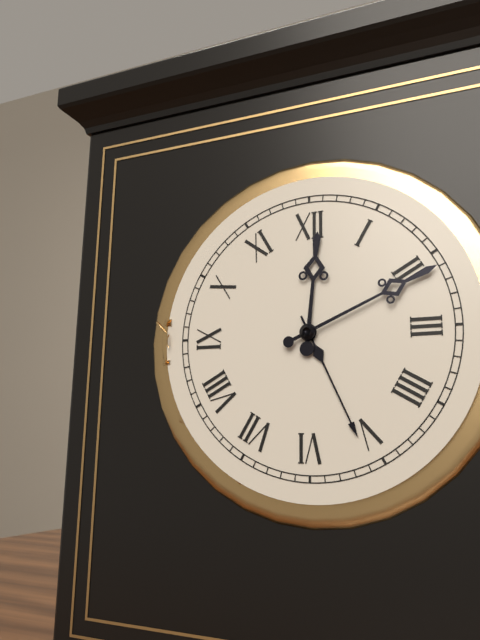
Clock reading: 12h11
